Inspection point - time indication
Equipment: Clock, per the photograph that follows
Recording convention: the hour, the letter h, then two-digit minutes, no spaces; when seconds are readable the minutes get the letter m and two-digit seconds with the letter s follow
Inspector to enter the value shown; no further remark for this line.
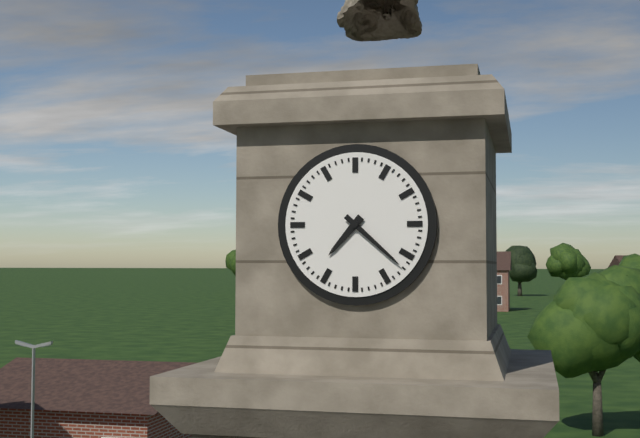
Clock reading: 7h22
